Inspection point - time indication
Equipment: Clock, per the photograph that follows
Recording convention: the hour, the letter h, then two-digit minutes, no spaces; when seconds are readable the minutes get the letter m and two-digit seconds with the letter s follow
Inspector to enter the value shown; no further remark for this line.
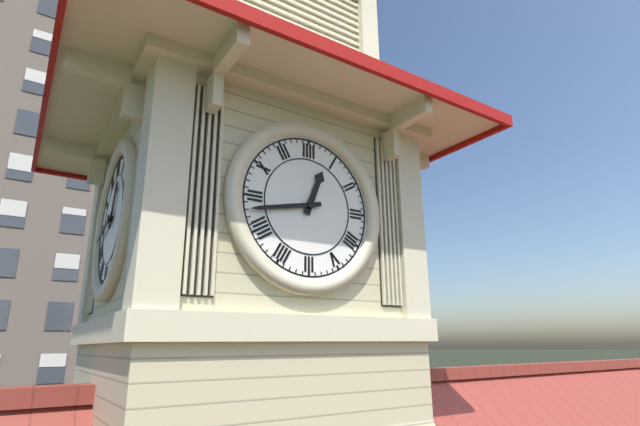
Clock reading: 12h43
